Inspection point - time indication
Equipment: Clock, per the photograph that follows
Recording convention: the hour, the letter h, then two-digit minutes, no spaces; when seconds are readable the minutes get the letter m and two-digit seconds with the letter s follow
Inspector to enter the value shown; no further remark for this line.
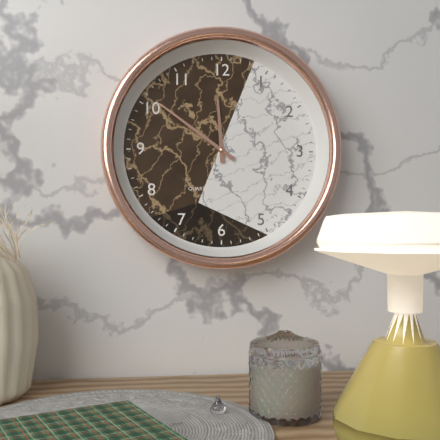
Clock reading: 11h51
